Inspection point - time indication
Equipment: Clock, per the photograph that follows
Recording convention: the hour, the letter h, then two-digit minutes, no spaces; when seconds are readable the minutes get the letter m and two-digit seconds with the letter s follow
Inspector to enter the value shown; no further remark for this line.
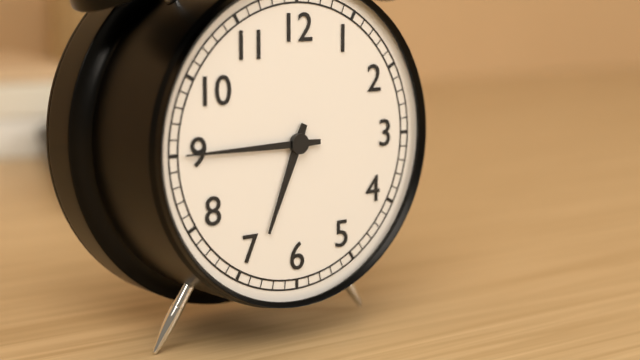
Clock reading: 6h45
